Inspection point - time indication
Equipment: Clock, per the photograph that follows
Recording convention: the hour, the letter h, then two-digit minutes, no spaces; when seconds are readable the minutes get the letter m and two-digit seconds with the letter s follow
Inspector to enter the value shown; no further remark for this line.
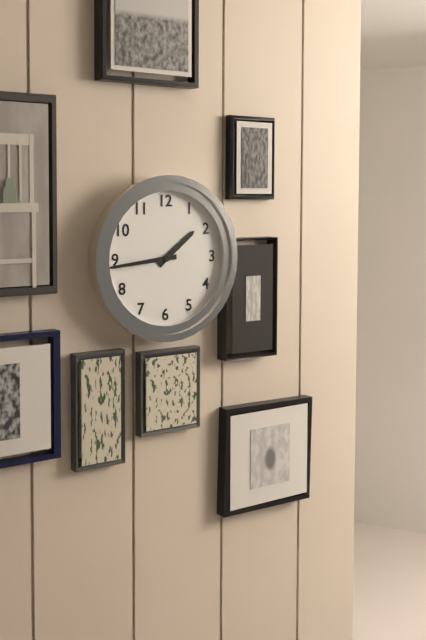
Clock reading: 1h44
